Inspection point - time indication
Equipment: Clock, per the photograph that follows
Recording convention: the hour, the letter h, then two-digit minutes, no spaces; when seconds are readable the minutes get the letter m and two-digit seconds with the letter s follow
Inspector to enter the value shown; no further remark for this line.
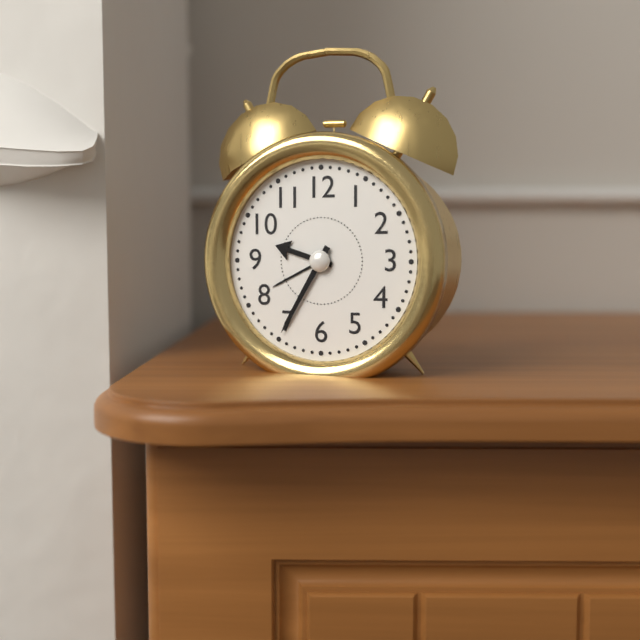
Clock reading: 9h35
